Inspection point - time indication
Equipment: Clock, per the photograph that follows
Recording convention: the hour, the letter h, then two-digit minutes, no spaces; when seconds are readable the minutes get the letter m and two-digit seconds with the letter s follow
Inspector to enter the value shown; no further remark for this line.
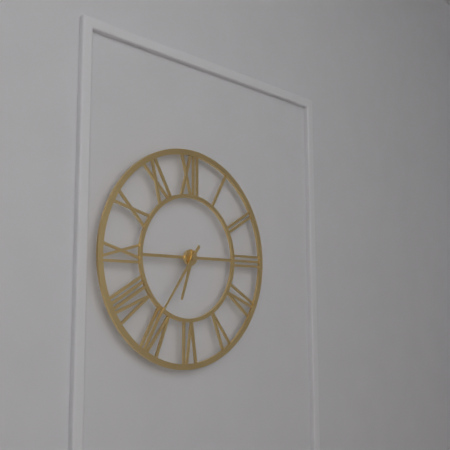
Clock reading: 6h36
